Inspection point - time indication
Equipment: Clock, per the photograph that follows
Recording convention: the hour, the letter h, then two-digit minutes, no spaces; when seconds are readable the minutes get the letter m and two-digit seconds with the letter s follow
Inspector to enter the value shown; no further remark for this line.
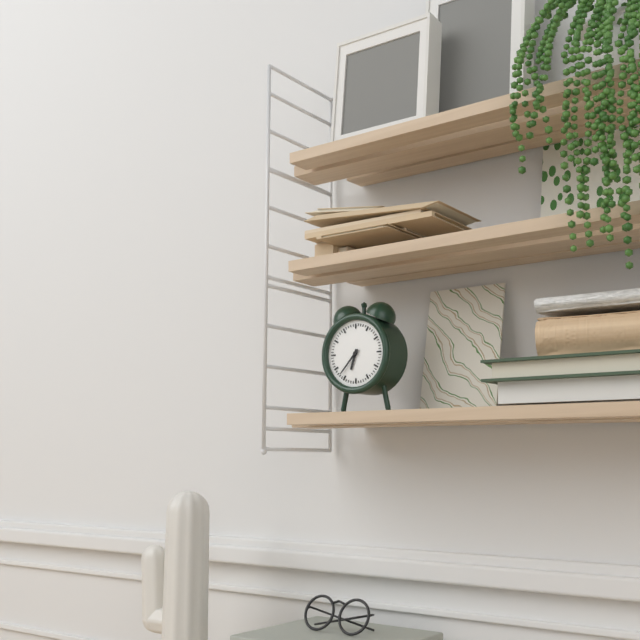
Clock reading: 6h37
